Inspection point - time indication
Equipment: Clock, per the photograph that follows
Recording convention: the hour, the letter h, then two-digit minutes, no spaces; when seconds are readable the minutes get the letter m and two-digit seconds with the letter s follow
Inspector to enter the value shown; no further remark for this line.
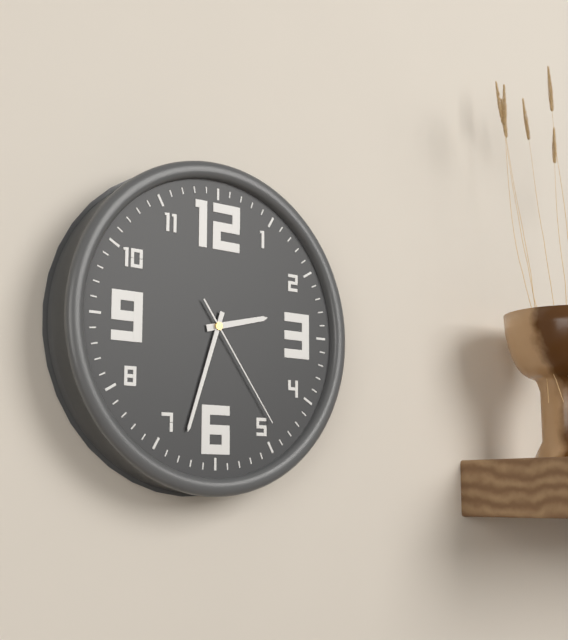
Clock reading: 2h33m24s
